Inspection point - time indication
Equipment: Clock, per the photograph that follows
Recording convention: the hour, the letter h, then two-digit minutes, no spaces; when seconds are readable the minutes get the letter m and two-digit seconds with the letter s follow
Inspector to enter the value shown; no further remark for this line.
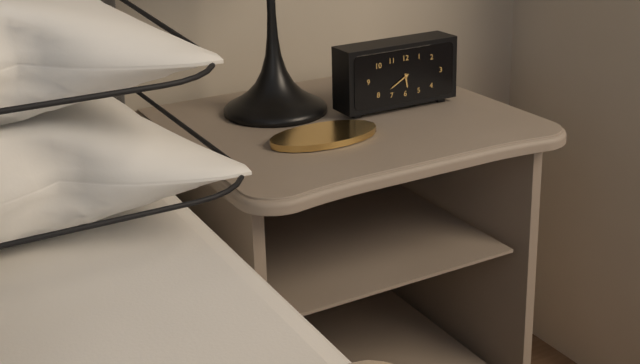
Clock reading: 5h40
